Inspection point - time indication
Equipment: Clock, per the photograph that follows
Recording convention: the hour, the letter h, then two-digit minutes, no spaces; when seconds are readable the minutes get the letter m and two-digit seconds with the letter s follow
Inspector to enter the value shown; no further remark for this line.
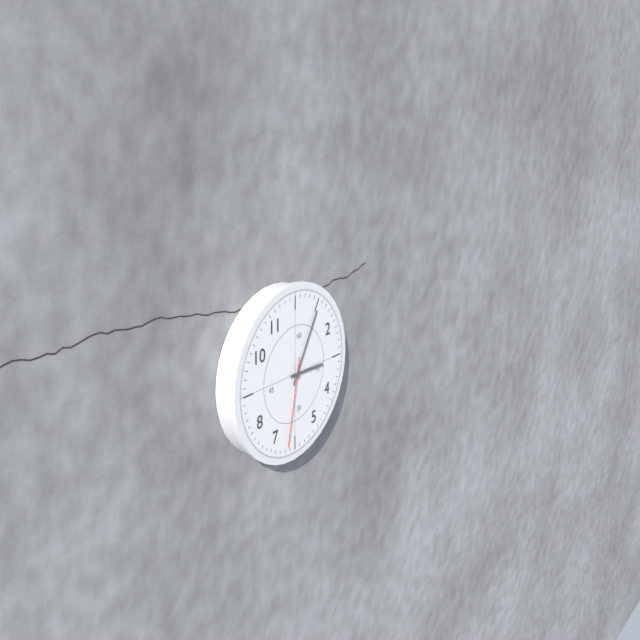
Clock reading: 3h05m32s
